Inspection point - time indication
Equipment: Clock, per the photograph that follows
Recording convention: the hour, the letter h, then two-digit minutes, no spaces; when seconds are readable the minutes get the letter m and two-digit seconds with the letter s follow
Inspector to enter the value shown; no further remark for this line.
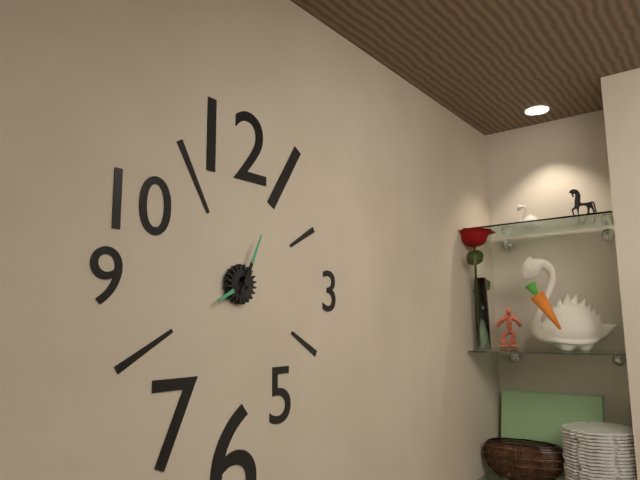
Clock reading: 8h04
